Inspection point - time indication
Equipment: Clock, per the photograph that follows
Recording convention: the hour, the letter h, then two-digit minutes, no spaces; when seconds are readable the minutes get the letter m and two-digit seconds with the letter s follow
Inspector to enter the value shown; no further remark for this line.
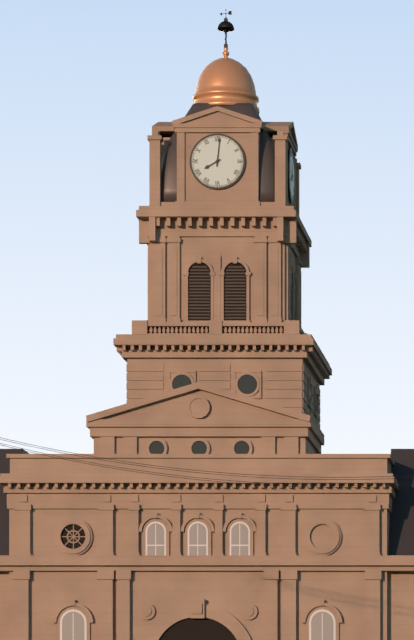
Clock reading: 8h01
